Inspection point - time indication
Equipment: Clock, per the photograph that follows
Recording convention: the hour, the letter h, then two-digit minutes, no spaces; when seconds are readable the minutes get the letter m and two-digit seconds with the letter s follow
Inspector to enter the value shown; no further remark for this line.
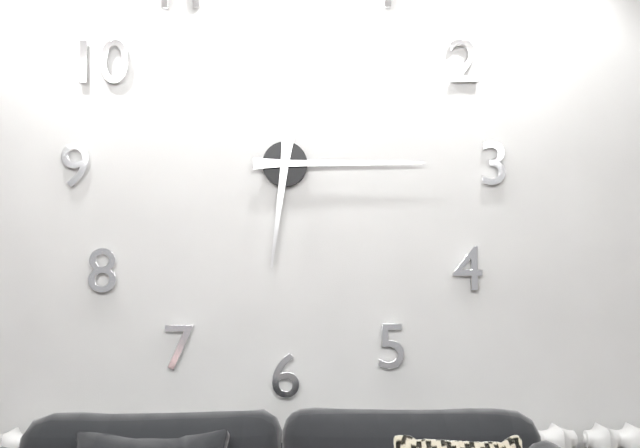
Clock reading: 6h15
